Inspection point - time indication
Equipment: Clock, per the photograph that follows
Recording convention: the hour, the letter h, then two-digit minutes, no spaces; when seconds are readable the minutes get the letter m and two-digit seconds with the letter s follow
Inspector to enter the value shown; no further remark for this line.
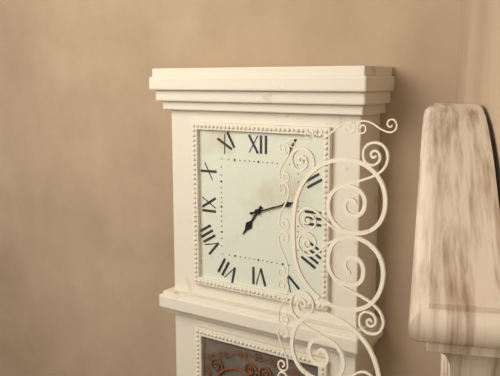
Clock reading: 7h12
